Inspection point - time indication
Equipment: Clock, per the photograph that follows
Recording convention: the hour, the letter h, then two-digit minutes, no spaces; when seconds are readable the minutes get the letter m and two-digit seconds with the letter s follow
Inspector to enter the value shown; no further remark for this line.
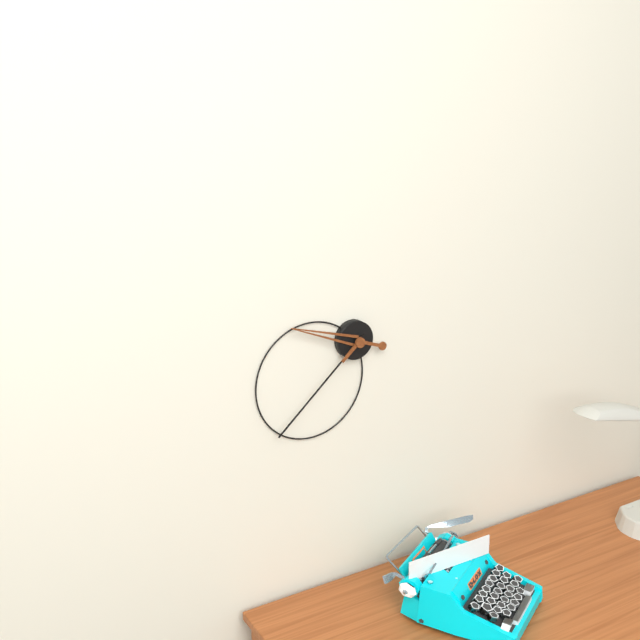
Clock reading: 9h38
